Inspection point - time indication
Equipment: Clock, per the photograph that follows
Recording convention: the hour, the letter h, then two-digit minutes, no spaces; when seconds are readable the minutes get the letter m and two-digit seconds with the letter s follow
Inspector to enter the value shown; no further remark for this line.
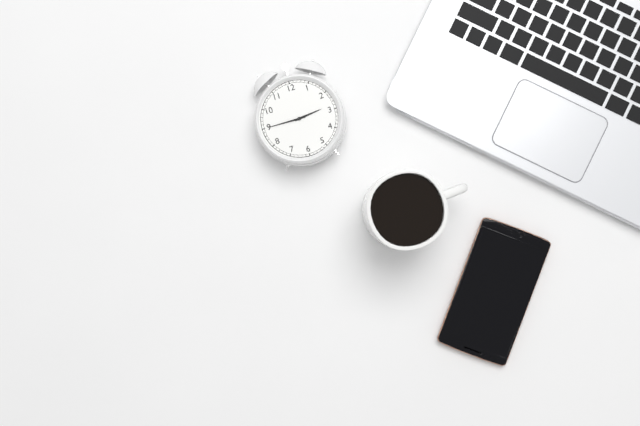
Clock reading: 2h45
